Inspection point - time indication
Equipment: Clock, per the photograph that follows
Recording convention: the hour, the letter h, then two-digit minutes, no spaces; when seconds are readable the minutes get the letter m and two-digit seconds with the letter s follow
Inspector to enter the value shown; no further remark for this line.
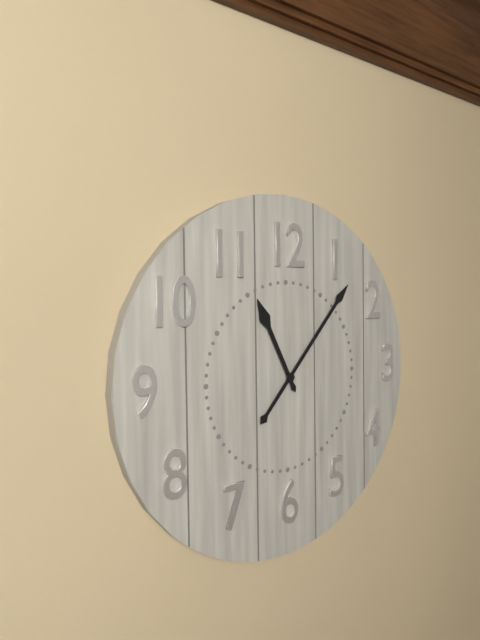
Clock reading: 11h07
